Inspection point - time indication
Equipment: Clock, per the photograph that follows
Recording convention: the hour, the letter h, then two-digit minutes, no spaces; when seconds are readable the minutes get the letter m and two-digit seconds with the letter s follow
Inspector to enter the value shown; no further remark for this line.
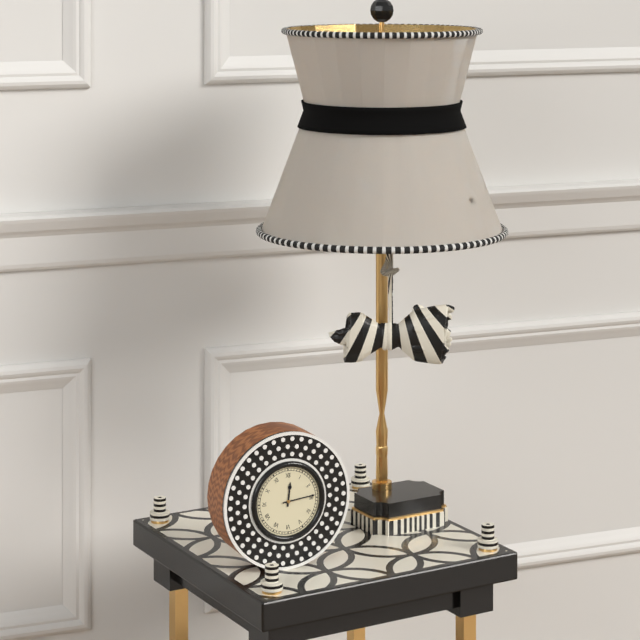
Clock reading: 12h14
